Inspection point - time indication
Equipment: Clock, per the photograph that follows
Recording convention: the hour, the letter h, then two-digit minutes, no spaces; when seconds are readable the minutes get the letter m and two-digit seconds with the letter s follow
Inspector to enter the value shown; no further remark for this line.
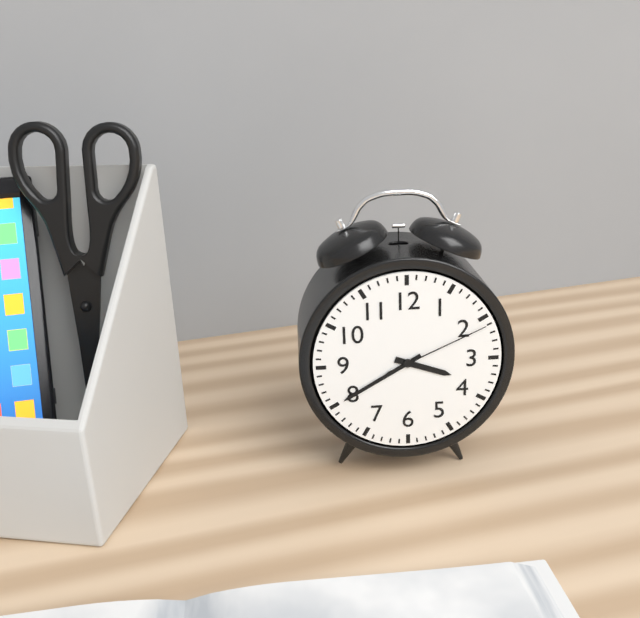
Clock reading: 3h40m11s
